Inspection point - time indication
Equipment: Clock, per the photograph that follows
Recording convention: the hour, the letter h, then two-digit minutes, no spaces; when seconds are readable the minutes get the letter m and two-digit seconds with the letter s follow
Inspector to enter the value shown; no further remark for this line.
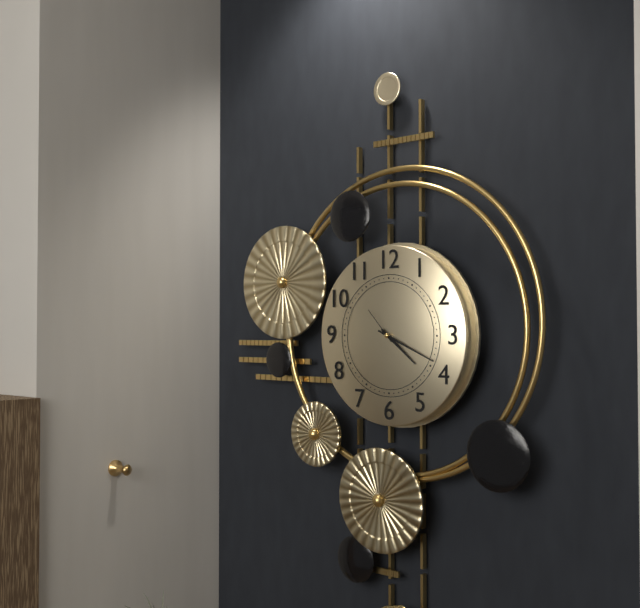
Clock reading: 4h19
